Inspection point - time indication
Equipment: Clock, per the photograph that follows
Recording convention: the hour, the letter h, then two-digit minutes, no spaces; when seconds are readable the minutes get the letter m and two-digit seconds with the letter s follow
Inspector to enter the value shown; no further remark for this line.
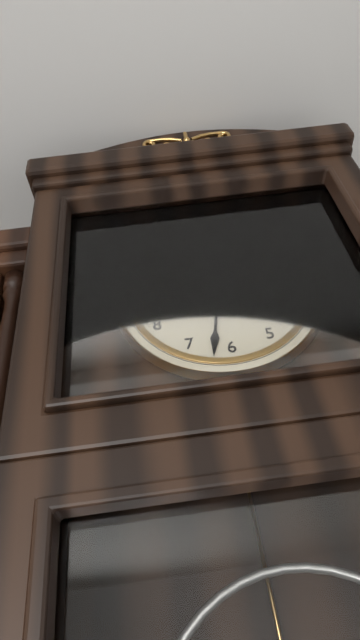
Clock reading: 8h32
